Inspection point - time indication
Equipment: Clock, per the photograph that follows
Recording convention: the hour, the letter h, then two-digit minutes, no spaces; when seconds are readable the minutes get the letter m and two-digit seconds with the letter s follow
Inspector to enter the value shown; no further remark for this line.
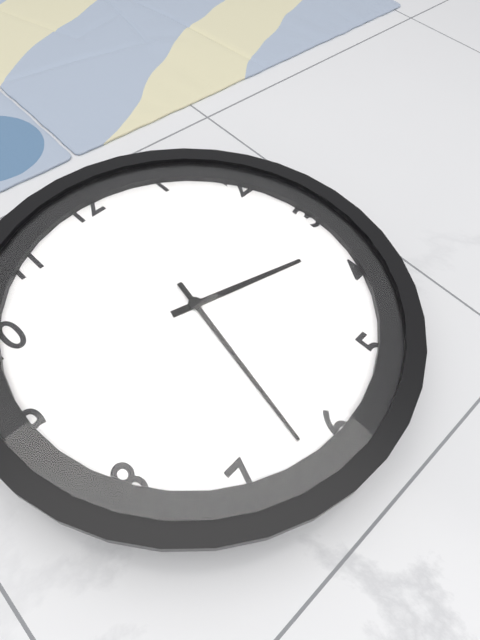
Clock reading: 3h32
